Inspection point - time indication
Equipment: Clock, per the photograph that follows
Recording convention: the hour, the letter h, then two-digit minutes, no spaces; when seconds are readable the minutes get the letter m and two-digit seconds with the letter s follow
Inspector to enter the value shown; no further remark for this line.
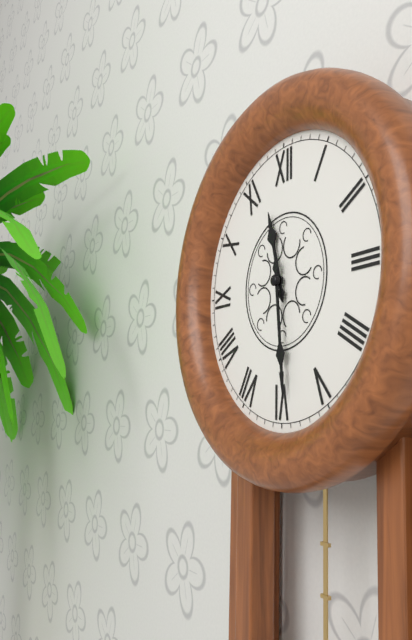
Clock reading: 11h29
